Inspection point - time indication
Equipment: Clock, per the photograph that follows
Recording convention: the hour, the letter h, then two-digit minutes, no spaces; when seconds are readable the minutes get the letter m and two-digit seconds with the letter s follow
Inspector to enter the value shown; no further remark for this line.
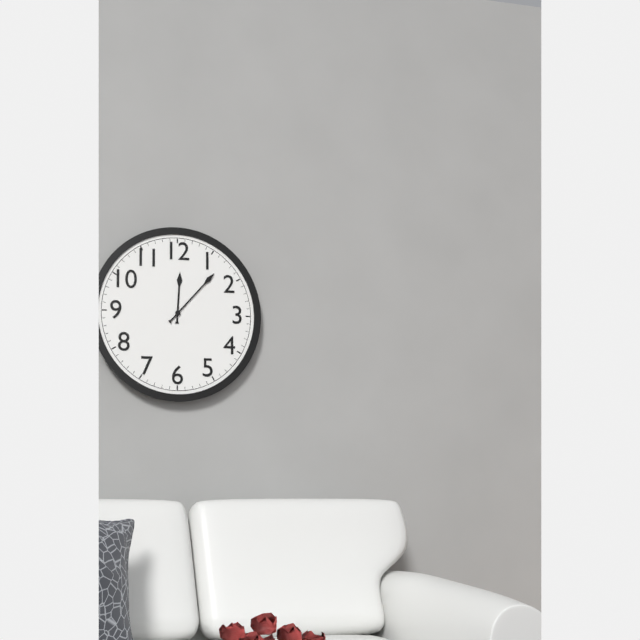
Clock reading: 12h07
